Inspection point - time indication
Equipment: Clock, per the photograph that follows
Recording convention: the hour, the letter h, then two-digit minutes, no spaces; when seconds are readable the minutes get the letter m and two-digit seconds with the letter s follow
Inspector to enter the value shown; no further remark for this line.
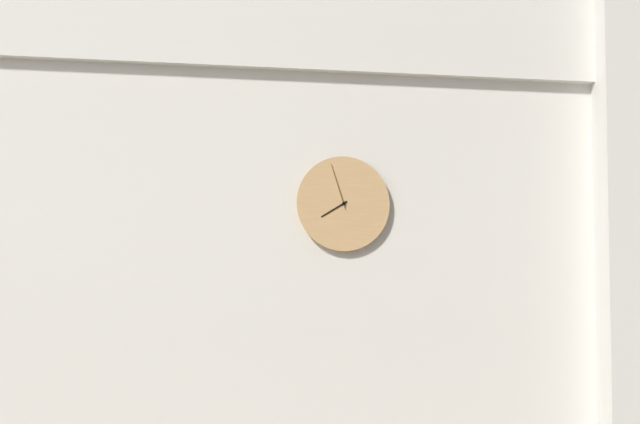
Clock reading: 7h57
